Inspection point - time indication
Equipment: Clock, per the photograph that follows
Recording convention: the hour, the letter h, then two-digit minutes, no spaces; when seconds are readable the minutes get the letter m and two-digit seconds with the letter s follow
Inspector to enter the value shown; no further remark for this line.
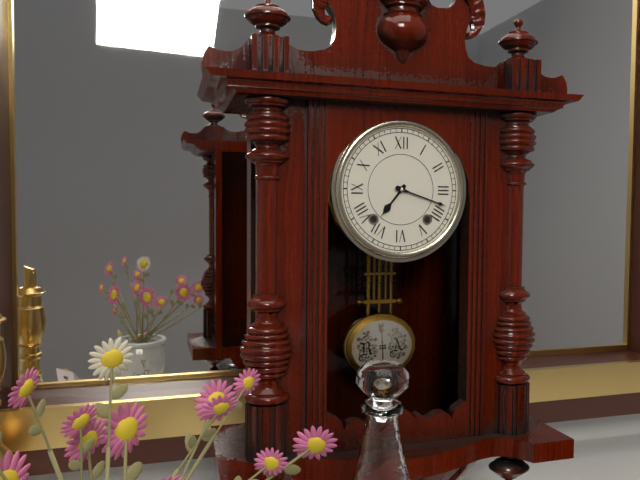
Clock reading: 7h18
